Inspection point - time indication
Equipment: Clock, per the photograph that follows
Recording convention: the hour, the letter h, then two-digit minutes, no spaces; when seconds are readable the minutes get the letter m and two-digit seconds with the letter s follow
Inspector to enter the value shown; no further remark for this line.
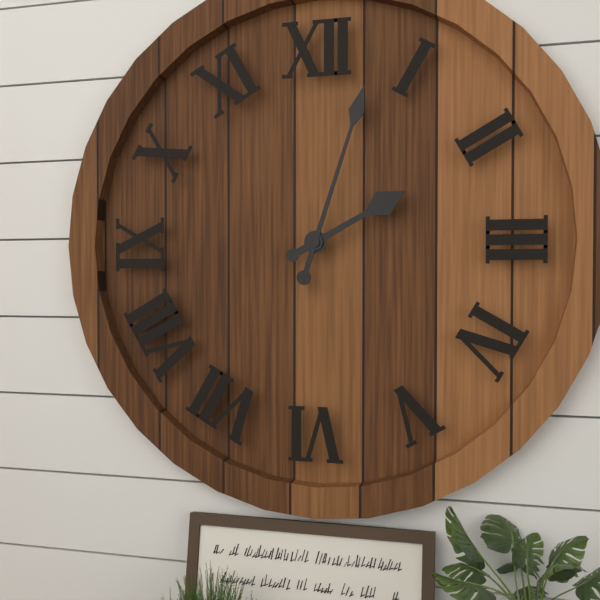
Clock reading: 2h03
